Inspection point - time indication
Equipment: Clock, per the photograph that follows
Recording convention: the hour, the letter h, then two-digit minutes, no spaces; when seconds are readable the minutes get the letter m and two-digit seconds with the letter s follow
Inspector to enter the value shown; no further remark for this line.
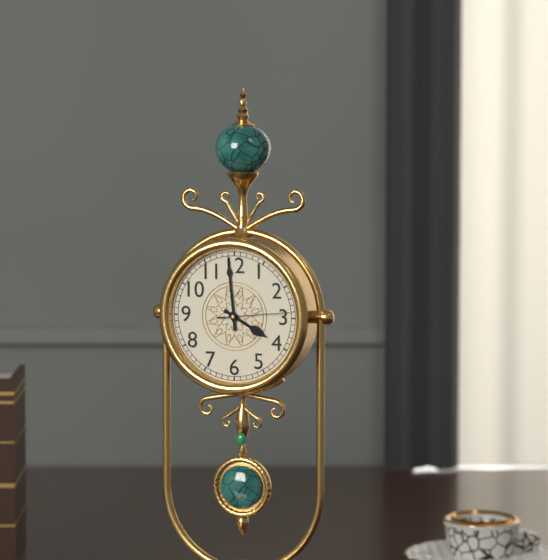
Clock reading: 3h59m14s
